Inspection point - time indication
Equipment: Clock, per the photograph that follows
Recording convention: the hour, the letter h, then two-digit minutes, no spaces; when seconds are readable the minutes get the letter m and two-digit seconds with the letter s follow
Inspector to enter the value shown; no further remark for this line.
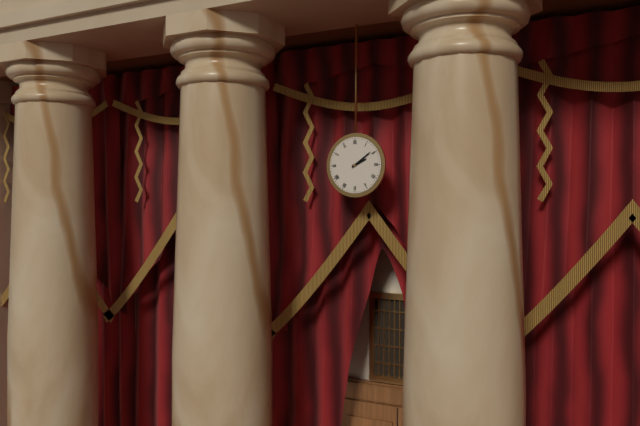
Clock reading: 2h09
